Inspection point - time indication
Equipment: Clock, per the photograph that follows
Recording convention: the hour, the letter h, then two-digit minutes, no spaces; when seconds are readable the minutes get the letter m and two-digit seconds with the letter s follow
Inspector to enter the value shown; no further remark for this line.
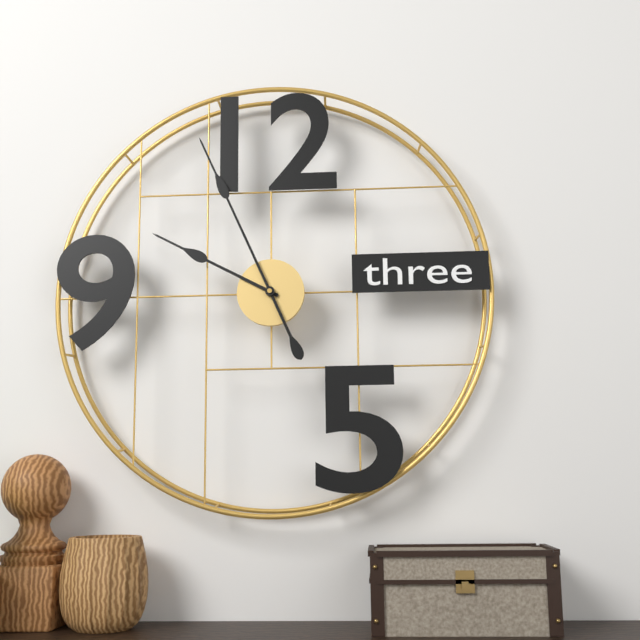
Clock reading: 9h56
